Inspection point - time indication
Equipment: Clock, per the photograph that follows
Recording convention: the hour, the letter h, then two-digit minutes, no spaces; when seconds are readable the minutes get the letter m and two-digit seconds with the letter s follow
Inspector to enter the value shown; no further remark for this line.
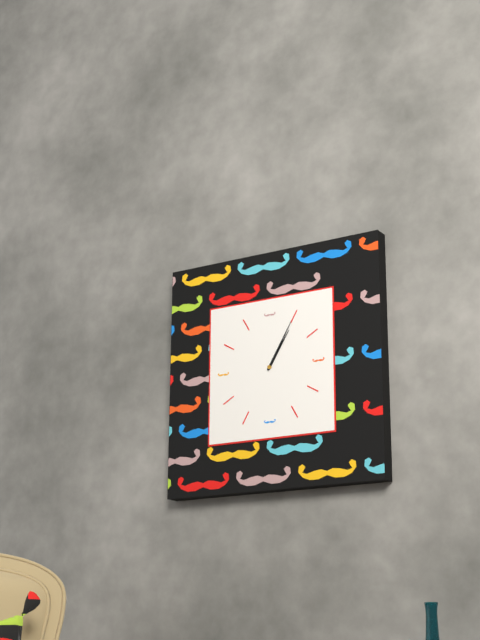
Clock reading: 1h05
